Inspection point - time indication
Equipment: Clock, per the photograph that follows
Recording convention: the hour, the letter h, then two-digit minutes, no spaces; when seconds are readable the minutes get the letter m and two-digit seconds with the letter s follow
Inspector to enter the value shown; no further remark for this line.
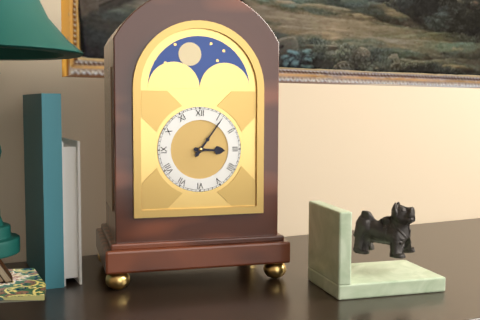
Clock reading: 3h06
